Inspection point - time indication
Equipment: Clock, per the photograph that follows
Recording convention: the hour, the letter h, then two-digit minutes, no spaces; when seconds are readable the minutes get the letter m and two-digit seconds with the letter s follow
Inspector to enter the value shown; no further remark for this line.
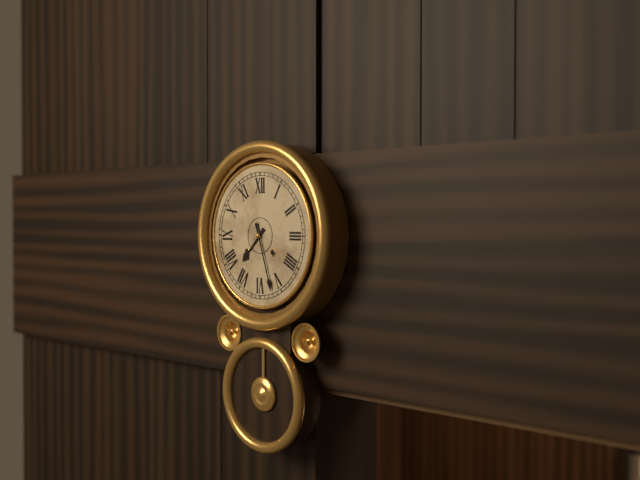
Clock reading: 7h27
